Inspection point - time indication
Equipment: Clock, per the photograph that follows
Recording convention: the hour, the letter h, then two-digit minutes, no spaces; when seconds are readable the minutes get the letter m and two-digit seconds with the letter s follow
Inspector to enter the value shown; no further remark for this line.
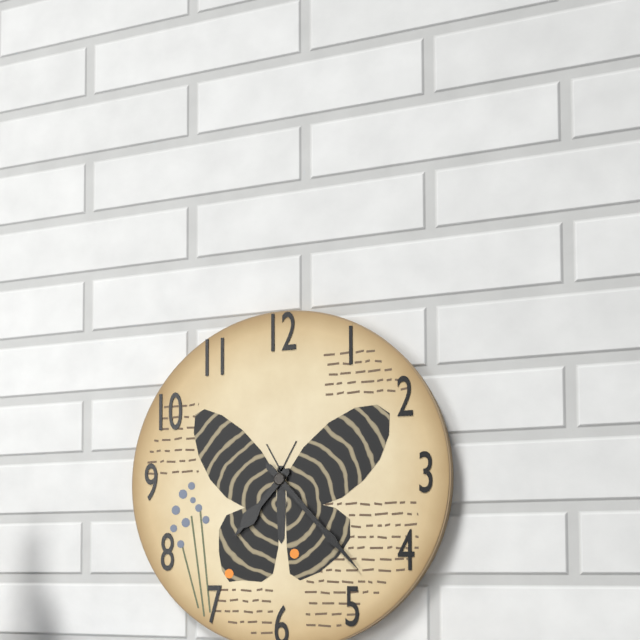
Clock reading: 7h23
